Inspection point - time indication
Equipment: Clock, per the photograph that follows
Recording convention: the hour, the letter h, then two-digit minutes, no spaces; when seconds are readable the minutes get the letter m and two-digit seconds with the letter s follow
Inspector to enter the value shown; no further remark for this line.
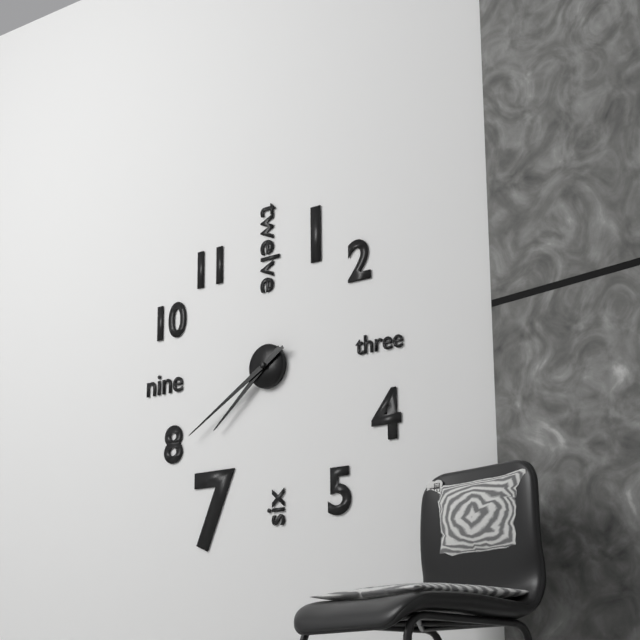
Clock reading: 7h40
